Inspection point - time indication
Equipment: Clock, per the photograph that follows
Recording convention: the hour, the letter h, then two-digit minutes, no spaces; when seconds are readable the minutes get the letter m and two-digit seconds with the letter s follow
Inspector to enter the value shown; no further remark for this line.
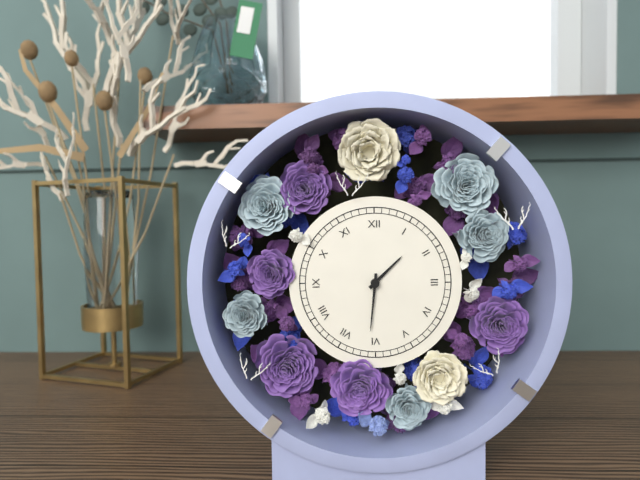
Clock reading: 1h31
